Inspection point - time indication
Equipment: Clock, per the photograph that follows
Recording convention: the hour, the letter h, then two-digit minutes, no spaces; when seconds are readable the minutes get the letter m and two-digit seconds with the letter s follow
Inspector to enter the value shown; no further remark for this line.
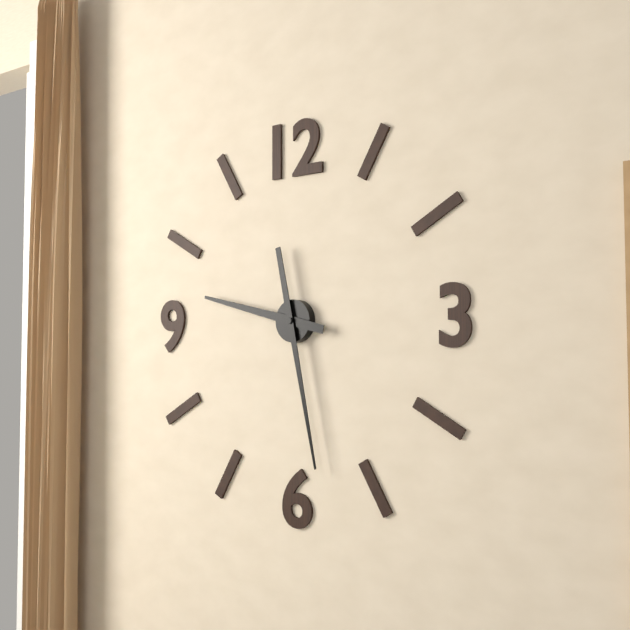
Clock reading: 9h28
